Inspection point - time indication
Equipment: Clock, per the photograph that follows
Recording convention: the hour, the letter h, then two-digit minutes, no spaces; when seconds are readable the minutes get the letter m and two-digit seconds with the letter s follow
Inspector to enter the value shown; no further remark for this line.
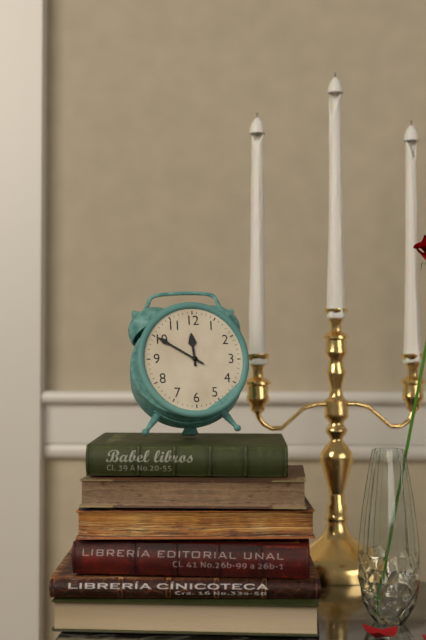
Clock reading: 11h50
